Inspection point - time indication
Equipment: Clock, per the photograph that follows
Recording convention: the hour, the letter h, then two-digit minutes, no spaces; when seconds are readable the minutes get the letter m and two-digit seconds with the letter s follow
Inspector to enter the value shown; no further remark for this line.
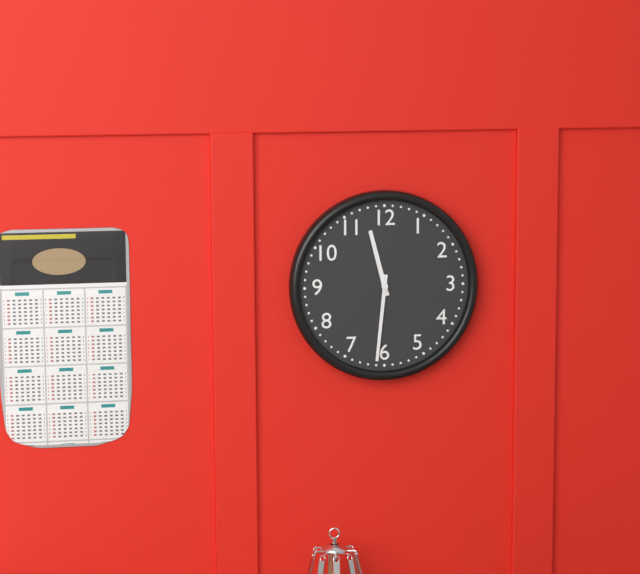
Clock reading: 11h31
